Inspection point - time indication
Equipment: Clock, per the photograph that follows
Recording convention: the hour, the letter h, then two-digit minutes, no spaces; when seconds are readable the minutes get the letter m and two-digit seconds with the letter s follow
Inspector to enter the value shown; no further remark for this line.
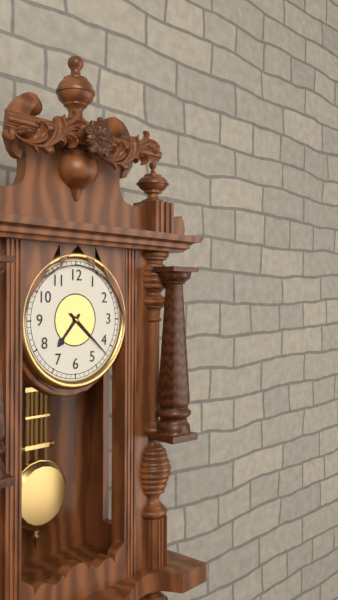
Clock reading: 7h22
